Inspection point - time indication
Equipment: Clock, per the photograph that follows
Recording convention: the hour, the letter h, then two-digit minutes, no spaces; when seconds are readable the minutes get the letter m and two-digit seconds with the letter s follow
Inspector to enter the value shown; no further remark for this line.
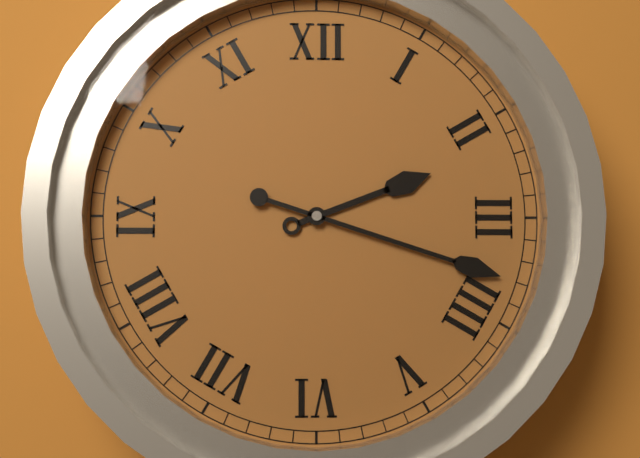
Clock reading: 2h18
